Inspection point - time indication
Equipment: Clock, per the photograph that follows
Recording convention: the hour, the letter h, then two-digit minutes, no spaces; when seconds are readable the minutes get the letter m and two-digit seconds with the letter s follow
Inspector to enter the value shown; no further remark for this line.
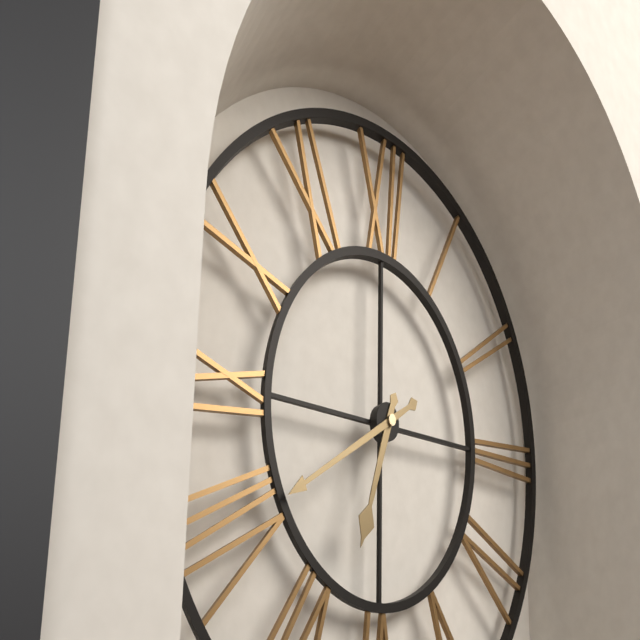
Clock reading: 6h40
